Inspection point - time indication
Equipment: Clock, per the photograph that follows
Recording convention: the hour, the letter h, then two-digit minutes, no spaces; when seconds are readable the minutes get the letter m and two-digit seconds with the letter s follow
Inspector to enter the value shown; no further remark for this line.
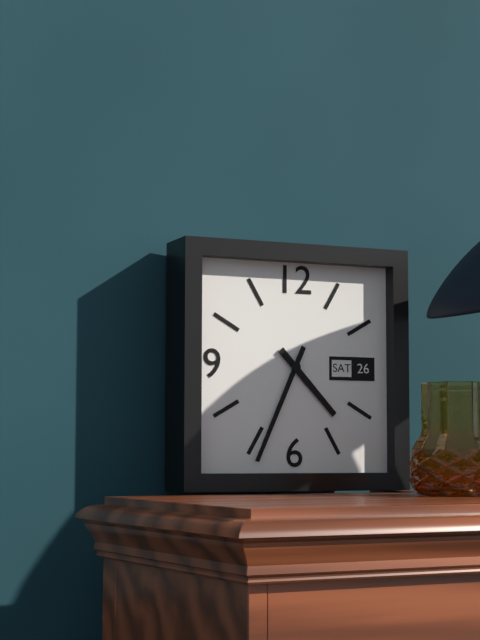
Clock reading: 4h34
